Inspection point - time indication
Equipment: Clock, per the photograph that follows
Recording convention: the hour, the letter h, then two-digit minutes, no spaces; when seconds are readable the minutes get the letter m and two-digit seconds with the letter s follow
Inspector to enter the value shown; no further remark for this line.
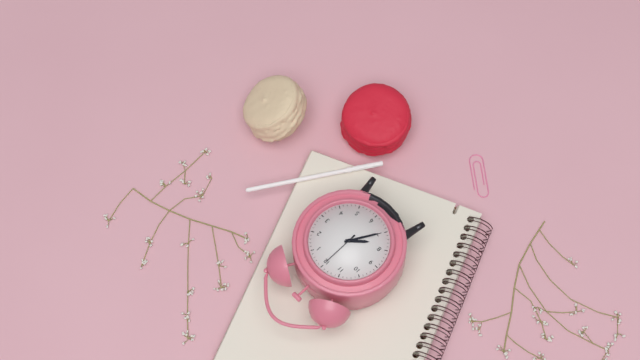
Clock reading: 7h35
